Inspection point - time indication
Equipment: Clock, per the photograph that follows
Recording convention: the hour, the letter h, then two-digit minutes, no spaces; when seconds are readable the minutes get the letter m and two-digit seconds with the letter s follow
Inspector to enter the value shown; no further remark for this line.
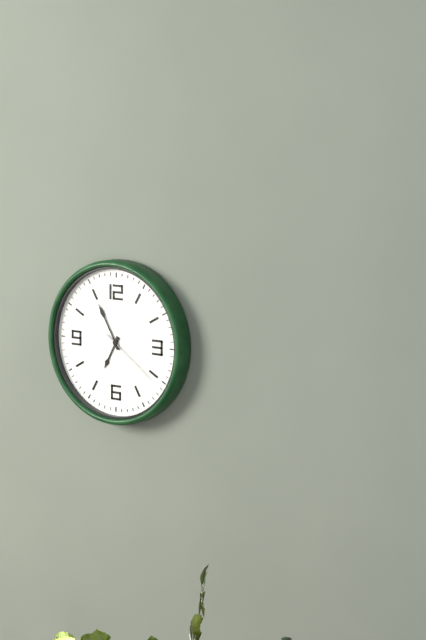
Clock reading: 6h55m21s
